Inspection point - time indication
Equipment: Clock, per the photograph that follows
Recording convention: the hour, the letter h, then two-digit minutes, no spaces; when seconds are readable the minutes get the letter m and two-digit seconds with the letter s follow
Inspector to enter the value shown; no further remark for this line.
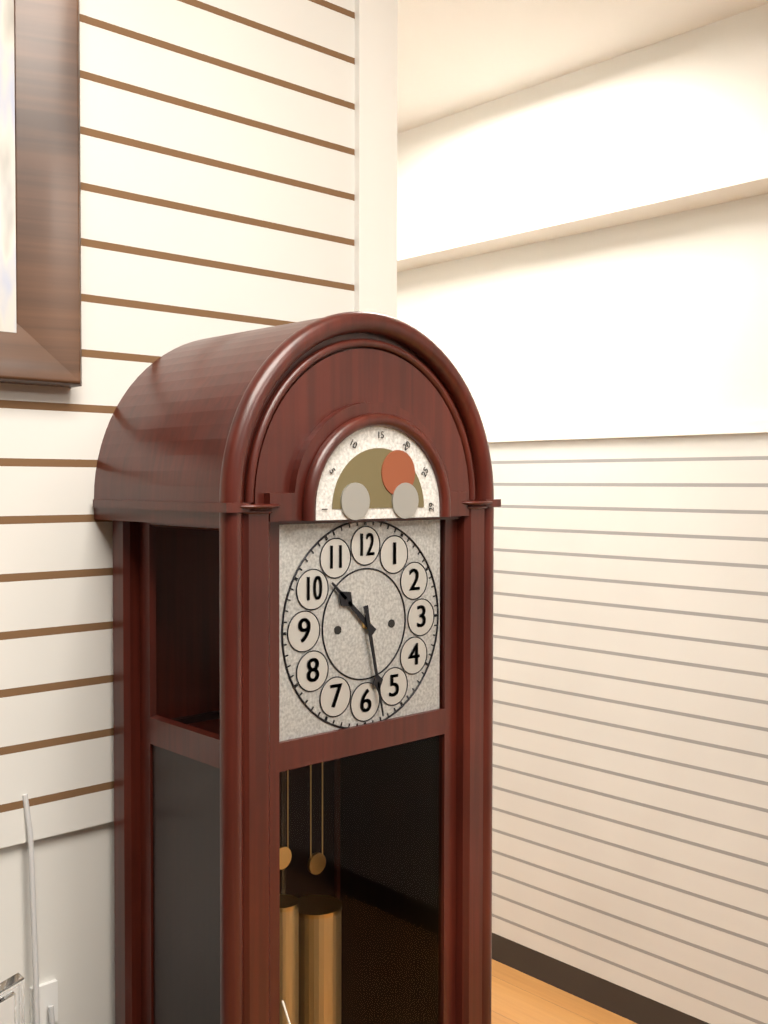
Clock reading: 10h28
